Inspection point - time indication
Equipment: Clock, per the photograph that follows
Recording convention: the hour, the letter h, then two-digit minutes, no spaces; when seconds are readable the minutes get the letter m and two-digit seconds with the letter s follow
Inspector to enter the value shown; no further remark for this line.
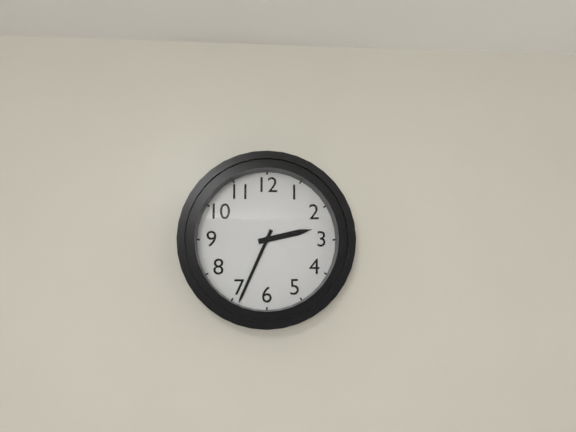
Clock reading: 2h34
